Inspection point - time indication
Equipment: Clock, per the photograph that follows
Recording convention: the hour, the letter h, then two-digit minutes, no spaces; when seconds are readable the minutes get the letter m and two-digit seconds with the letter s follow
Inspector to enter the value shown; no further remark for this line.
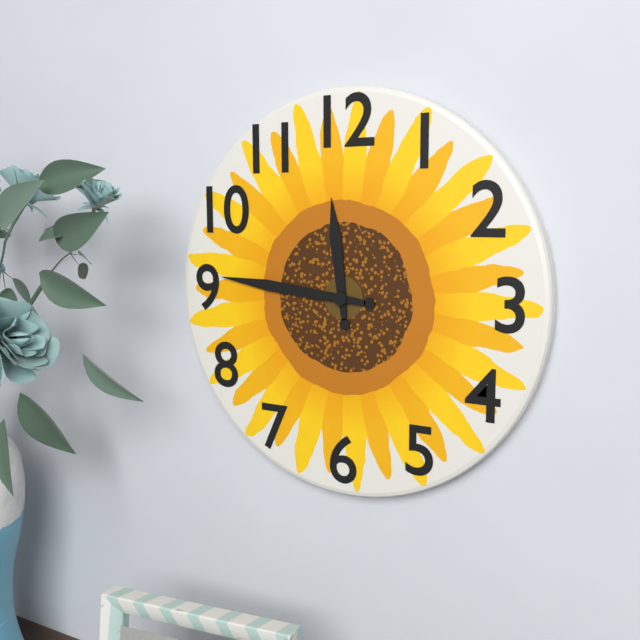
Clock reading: 11h46
